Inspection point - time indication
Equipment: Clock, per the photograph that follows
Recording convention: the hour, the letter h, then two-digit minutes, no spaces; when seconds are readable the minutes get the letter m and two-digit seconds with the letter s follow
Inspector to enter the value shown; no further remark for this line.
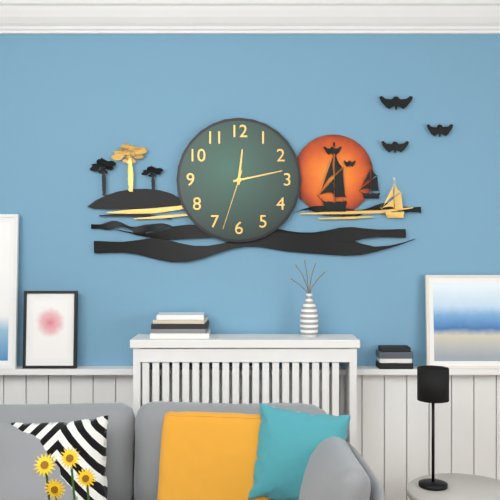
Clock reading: 12h13m33s
